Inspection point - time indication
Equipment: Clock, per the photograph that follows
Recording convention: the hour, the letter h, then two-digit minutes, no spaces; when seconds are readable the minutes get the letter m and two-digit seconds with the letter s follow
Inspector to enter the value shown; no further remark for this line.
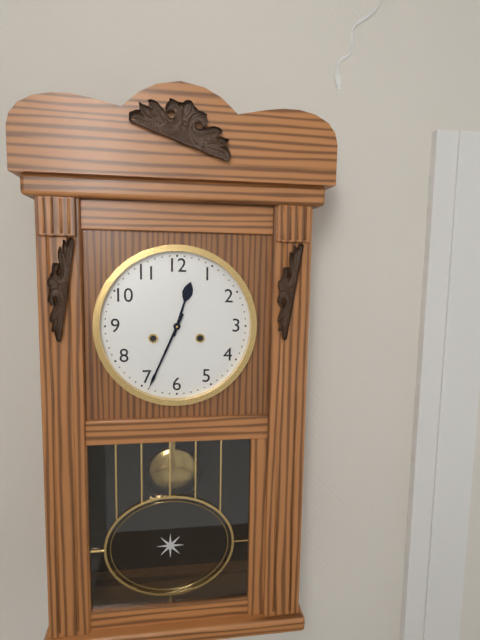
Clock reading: 12h34
